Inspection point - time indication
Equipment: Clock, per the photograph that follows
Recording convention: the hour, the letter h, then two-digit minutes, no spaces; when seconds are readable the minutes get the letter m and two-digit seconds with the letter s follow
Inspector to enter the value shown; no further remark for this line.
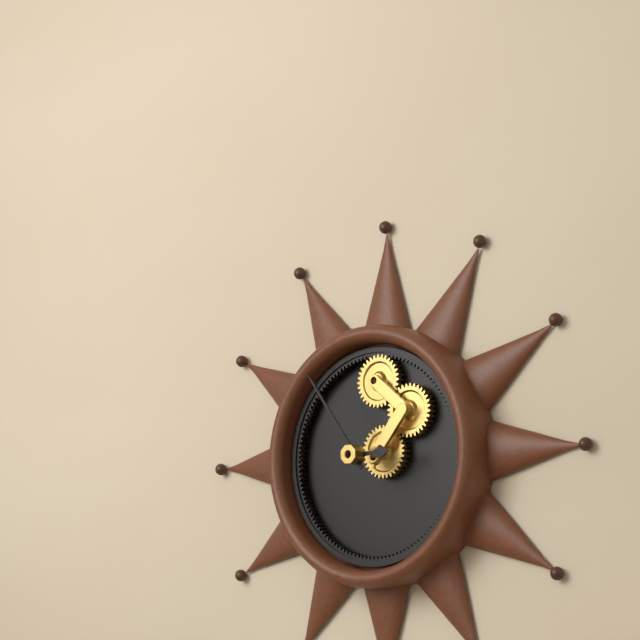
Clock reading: 2h54
